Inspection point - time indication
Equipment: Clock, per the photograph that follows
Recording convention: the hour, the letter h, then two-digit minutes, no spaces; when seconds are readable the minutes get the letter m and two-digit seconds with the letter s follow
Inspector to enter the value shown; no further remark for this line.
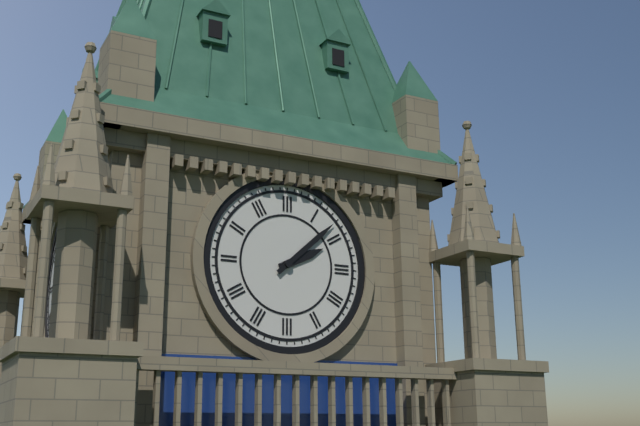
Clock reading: 2h08
